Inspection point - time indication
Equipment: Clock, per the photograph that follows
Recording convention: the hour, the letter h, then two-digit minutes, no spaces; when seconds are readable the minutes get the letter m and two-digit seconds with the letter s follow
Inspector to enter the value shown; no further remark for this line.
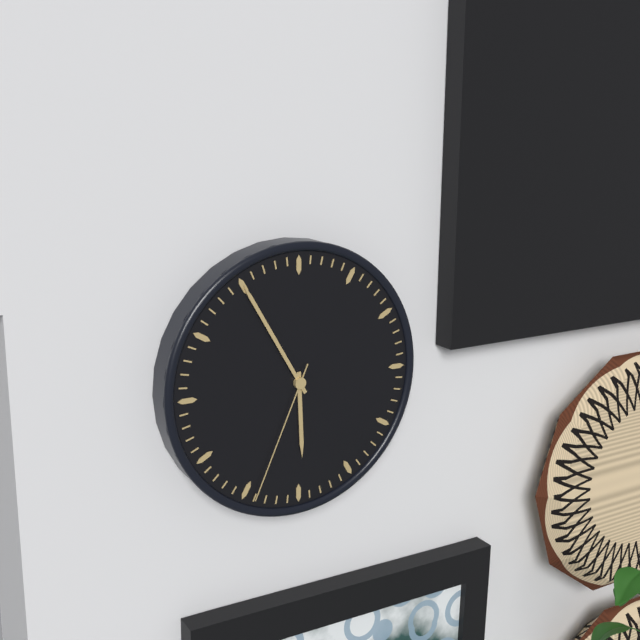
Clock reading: 5h55m34s
